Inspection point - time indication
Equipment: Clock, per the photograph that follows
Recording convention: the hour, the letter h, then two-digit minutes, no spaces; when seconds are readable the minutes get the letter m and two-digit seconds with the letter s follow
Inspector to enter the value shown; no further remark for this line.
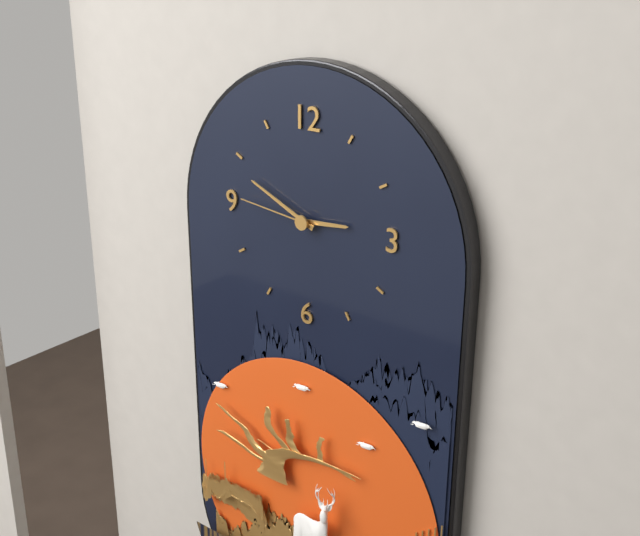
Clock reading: 2h49m46s
